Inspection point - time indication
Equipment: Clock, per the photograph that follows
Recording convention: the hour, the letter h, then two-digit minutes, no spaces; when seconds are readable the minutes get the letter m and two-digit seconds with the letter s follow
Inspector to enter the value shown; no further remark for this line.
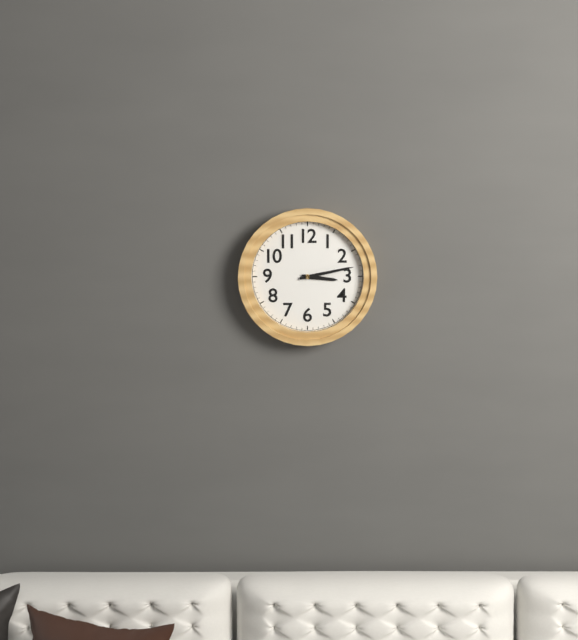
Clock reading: 3h13
